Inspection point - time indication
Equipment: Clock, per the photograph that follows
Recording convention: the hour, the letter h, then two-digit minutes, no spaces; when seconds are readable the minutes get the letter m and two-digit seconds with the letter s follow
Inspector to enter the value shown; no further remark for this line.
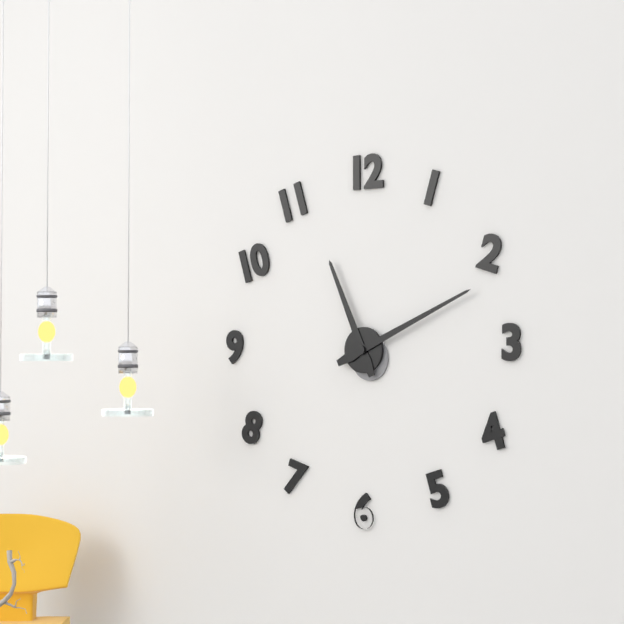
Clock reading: 11h11
